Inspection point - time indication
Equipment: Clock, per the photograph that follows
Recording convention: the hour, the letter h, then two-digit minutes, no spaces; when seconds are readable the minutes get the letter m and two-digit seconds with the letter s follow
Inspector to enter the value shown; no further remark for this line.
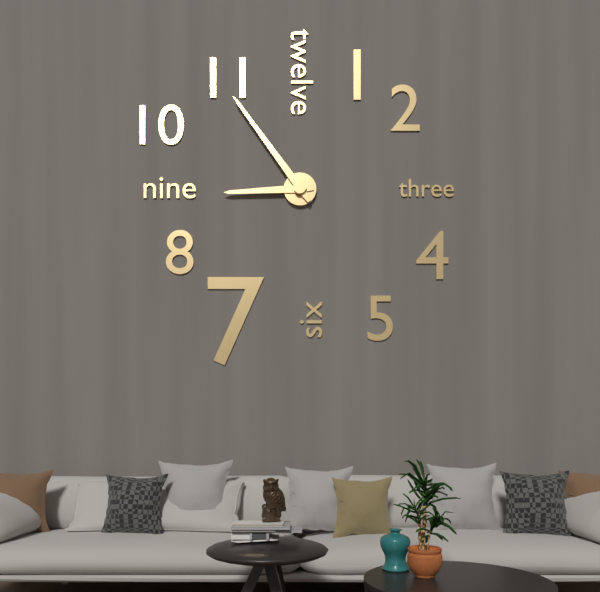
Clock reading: 8h54
